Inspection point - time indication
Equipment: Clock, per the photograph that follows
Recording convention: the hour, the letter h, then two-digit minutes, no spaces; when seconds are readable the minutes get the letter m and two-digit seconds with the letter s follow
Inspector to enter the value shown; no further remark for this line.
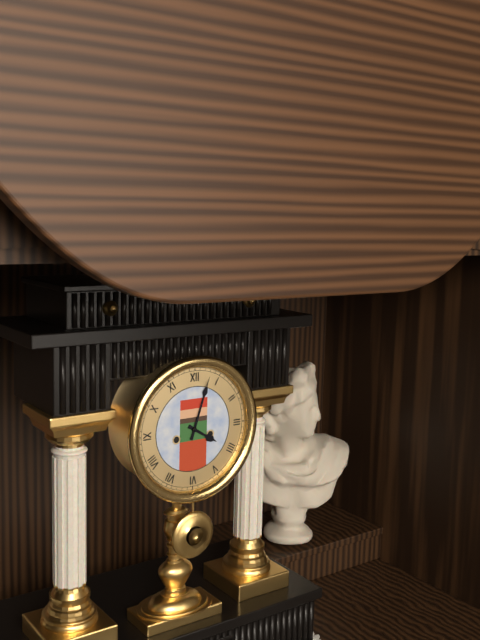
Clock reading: 4h03
